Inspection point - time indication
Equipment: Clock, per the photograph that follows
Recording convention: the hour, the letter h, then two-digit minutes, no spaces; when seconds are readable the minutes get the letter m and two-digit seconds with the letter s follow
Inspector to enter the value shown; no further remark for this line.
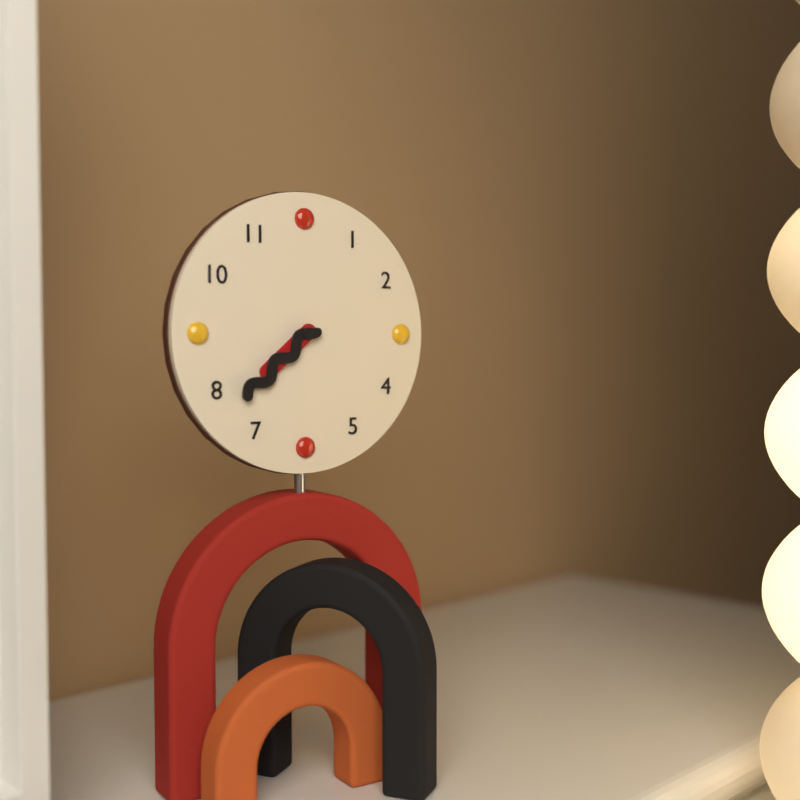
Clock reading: 7h38
